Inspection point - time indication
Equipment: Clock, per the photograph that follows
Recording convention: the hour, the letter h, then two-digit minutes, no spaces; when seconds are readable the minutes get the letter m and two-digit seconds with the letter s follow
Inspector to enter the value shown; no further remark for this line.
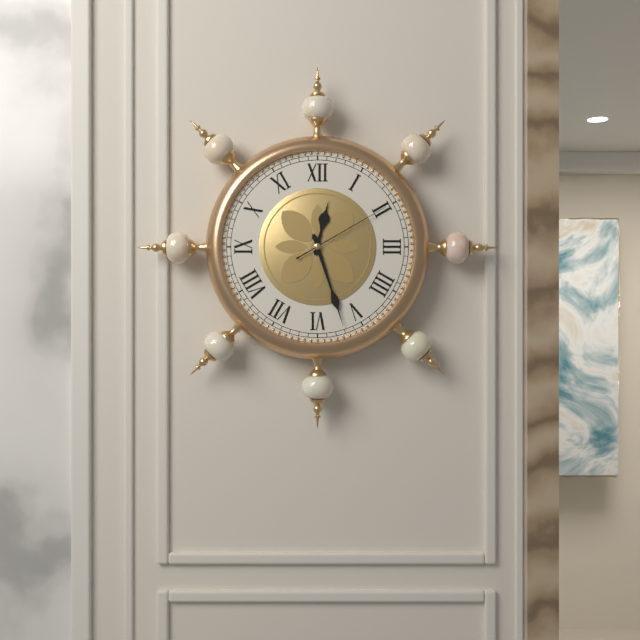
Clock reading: 12h27m10s
